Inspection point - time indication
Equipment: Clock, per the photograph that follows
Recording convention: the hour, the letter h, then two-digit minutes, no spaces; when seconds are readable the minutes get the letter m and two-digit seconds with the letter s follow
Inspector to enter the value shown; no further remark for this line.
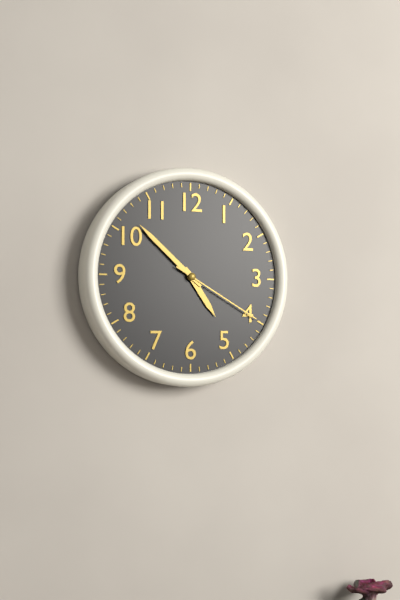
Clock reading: 4h52m20s
